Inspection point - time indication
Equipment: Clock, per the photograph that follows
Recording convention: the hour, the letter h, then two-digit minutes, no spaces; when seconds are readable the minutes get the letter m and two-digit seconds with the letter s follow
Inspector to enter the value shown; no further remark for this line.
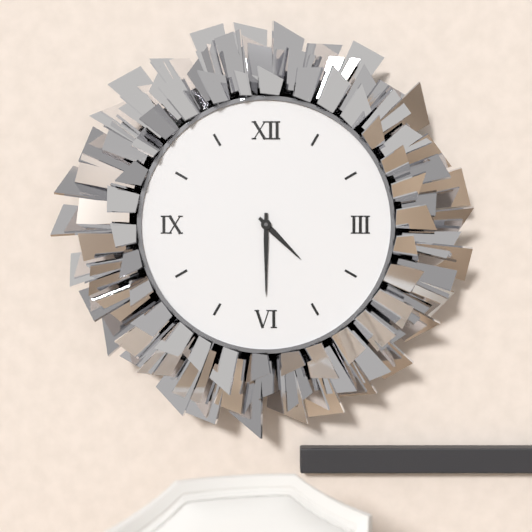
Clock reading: 4h30
